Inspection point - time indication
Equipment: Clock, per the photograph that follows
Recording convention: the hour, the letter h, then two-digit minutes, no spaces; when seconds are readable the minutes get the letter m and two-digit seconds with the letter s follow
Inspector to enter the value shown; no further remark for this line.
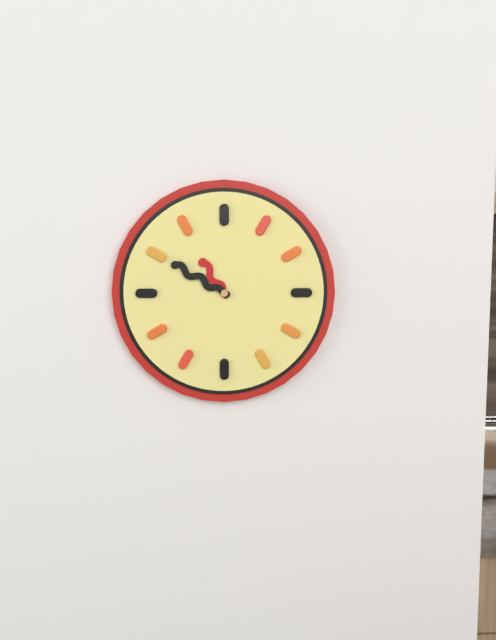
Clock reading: 10h50
